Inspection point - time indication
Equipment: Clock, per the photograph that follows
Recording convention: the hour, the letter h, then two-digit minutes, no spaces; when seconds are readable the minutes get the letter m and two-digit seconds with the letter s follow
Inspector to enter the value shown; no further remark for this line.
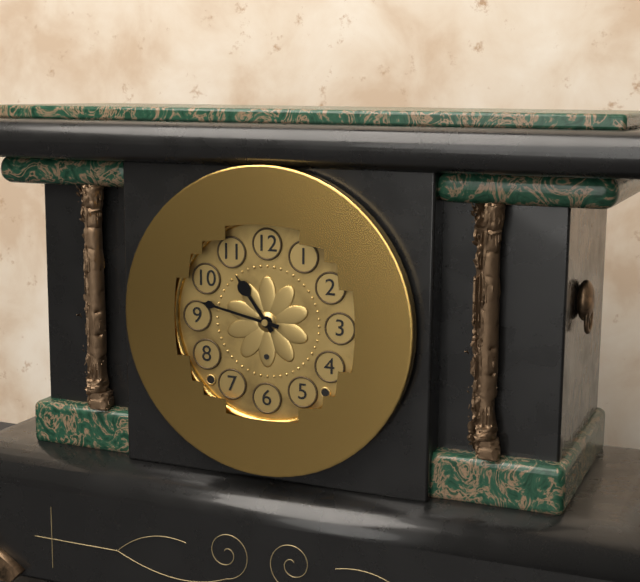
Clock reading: 10h47
